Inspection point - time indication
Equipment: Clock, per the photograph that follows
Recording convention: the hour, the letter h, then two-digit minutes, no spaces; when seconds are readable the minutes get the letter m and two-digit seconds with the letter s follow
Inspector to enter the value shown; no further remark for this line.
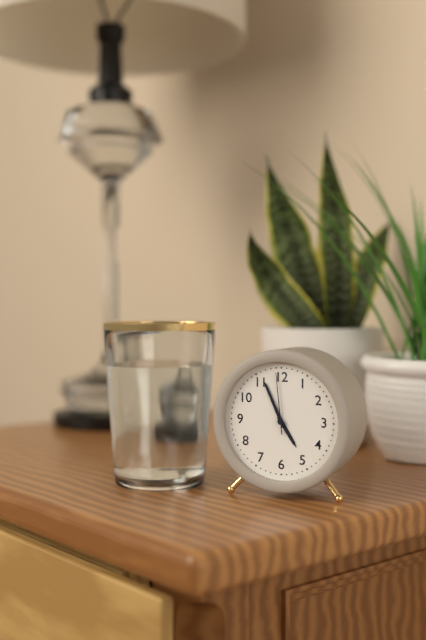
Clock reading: 4h56m59s
